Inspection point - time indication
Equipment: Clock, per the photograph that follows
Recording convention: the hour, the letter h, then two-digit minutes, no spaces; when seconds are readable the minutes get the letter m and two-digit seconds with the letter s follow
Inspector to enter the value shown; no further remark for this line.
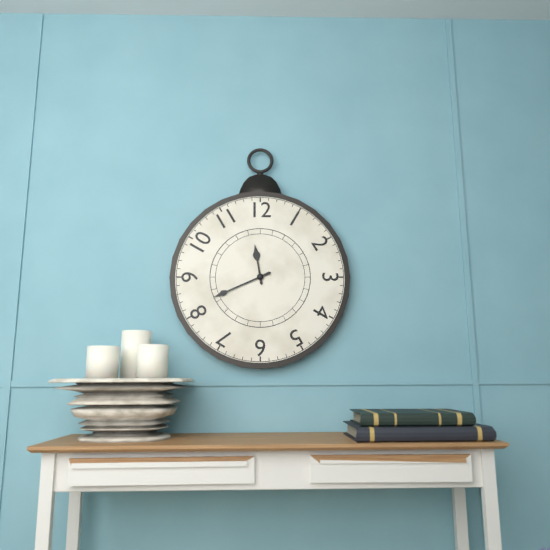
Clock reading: 11h41
